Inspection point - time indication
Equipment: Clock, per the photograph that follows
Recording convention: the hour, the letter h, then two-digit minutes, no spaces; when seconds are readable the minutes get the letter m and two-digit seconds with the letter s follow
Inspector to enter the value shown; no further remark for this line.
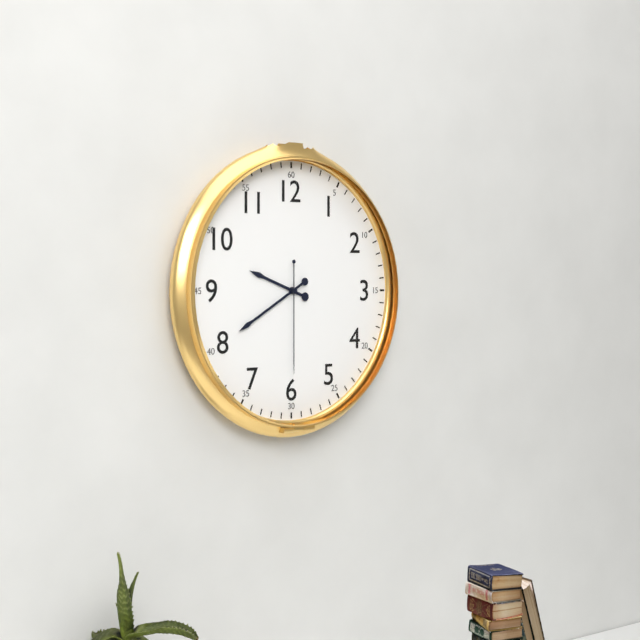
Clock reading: 9h40m30s
